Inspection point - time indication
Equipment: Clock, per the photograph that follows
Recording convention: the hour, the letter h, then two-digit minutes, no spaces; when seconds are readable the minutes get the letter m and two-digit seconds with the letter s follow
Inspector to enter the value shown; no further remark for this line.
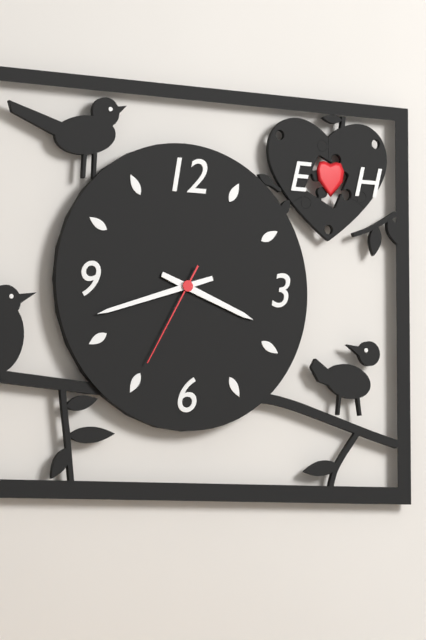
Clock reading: 3h42m35s
